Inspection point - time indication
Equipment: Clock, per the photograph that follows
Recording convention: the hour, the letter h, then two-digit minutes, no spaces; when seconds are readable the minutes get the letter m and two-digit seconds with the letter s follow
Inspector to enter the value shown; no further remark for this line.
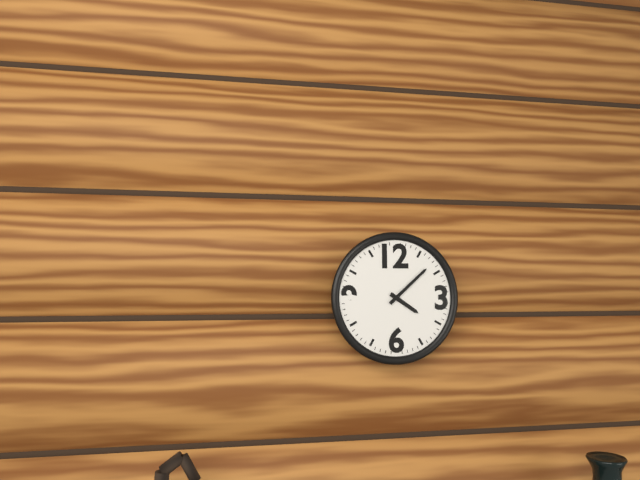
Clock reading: 4h08
